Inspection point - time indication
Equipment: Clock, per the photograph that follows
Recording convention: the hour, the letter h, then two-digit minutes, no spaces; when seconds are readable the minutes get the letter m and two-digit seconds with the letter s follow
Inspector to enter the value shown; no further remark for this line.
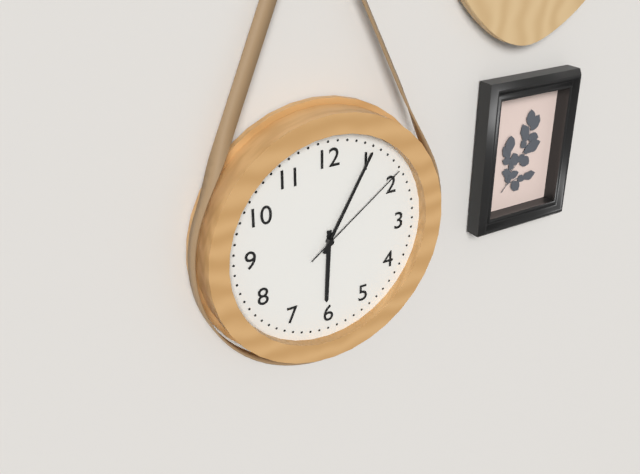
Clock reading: 6h05m09s
